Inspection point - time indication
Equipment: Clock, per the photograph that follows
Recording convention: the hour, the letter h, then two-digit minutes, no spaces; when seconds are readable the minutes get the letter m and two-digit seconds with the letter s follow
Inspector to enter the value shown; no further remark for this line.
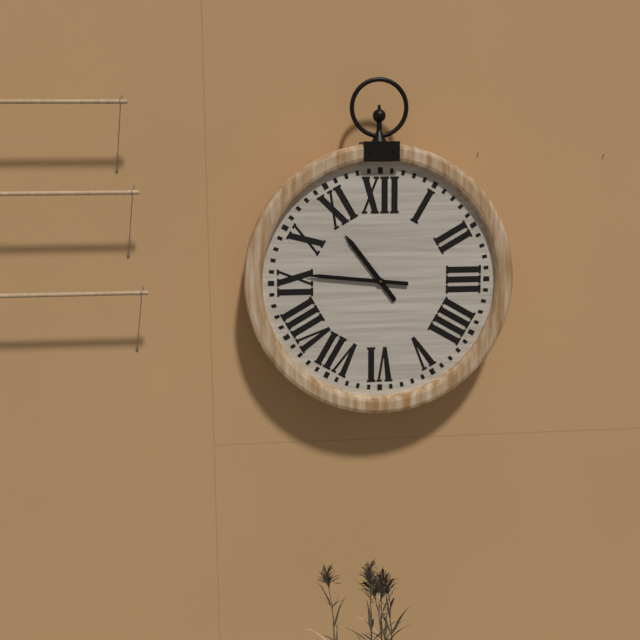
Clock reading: 10h46
